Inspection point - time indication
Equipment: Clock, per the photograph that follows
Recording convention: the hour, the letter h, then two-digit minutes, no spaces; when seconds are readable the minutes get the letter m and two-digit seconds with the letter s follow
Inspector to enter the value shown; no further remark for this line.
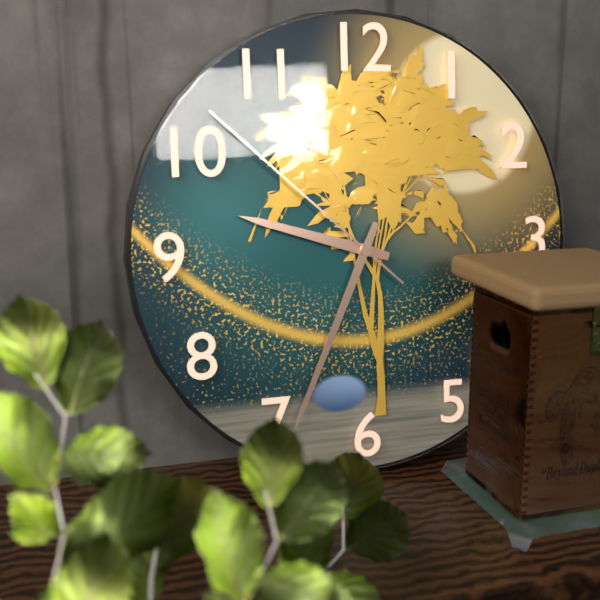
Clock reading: 9h34m52s
